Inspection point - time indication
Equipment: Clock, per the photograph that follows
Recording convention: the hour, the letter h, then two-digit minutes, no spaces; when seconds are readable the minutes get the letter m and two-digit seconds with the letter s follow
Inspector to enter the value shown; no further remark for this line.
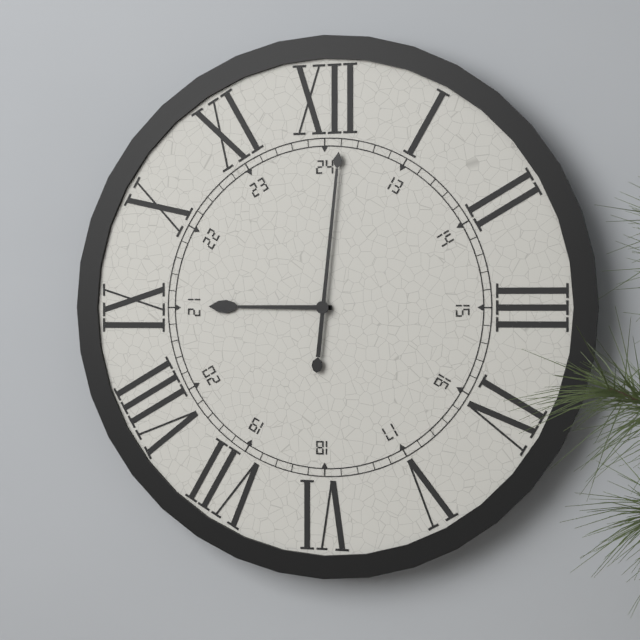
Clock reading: 9h01
